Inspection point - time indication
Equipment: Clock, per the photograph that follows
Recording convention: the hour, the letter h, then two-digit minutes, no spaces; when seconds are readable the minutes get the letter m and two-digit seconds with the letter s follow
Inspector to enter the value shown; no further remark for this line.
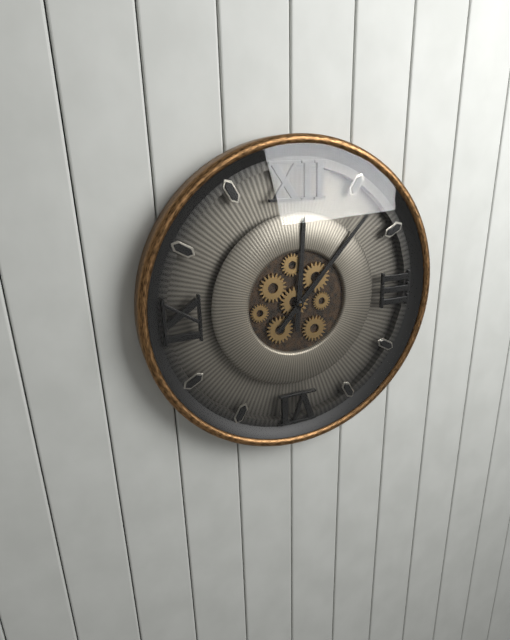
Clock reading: 12h07
